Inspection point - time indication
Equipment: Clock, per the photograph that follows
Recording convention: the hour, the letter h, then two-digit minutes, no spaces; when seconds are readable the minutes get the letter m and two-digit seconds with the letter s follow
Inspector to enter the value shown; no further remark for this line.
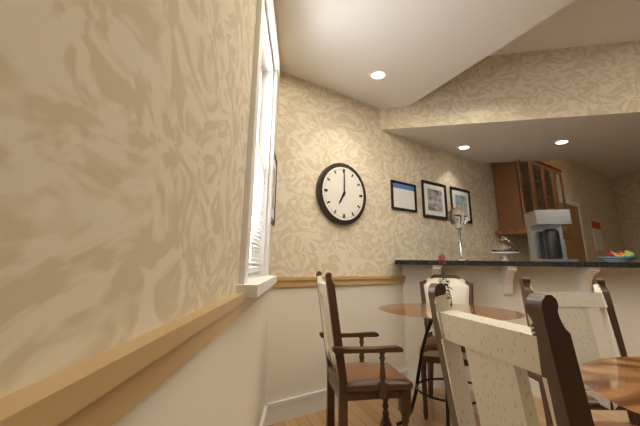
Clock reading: 7h00
